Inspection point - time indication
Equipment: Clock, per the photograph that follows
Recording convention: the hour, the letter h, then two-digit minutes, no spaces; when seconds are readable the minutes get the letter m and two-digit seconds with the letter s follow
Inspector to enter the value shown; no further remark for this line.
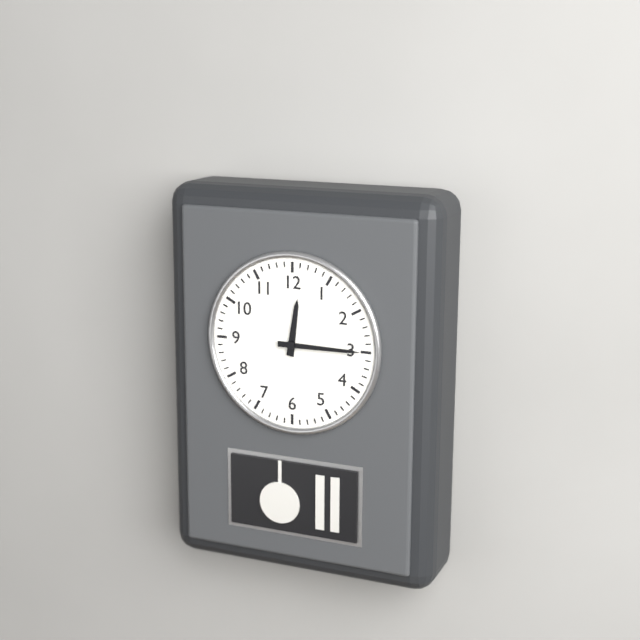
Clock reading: 12h15
